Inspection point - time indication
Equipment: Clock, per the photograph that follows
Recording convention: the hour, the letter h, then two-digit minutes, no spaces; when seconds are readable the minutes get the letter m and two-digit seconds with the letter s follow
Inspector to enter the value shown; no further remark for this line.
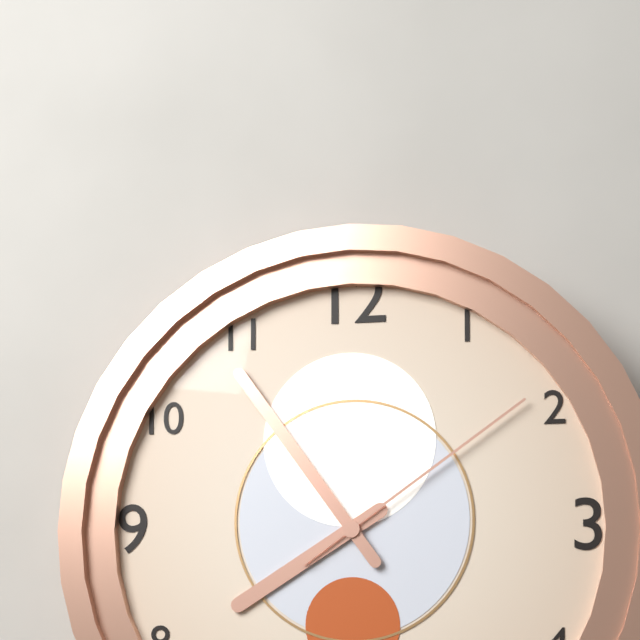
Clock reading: 7h54m09s
